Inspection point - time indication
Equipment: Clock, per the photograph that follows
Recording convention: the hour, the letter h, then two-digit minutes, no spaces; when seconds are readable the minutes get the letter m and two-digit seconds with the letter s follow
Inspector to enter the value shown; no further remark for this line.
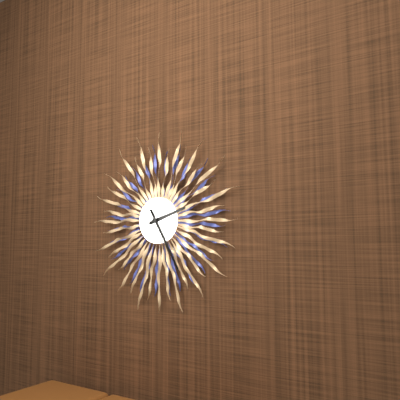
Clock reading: 2h25
